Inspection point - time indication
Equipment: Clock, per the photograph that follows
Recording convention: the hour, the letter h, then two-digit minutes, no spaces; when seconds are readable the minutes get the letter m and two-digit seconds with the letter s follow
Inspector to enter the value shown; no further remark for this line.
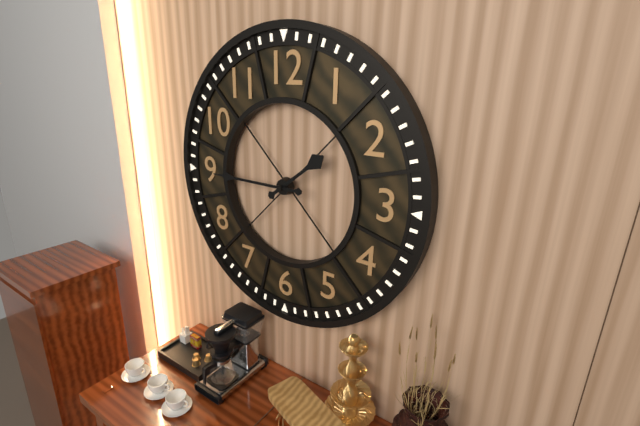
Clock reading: 1h45
